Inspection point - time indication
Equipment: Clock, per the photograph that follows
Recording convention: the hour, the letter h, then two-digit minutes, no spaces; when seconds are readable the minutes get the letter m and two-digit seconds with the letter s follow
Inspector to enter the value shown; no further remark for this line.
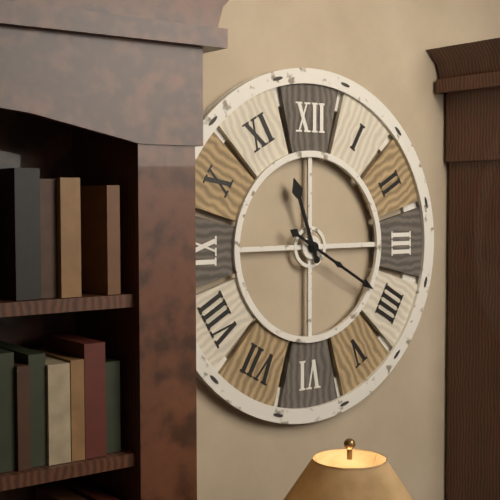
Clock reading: 11h20
